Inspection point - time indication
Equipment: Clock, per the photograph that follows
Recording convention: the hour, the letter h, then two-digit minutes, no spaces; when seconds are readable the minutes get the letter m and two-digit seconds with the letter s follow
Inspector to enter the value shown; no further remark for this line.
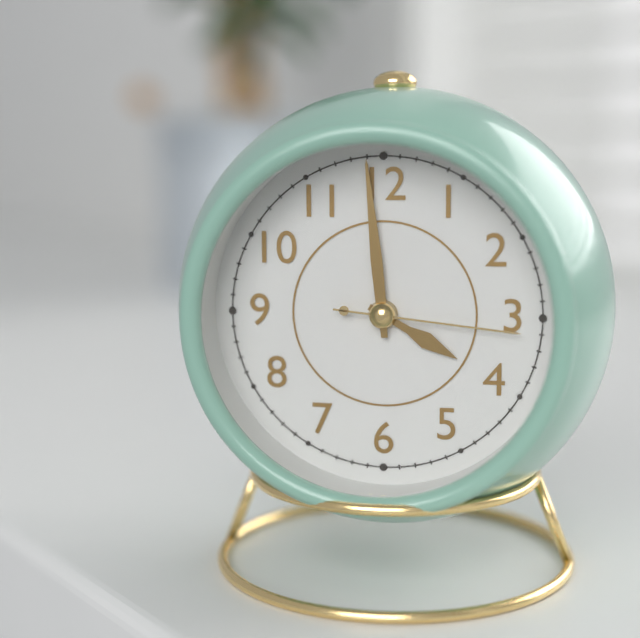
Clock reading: 3h59m16s
